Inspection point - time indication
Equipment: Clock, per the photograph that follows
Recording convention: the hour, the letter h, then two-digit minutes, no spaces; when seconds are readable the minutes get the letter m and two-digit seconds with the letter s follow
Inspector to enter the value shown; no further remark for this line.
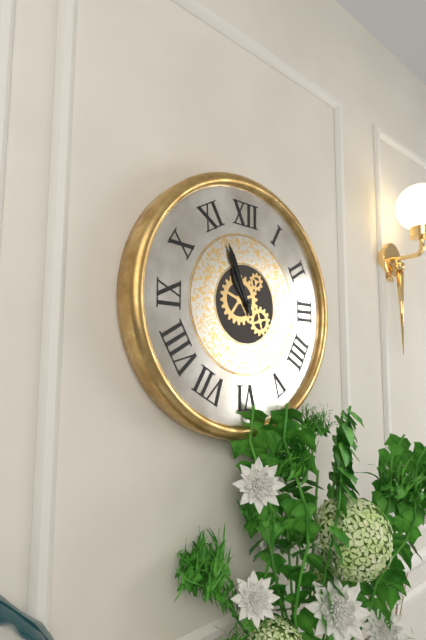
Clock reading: 10h56
